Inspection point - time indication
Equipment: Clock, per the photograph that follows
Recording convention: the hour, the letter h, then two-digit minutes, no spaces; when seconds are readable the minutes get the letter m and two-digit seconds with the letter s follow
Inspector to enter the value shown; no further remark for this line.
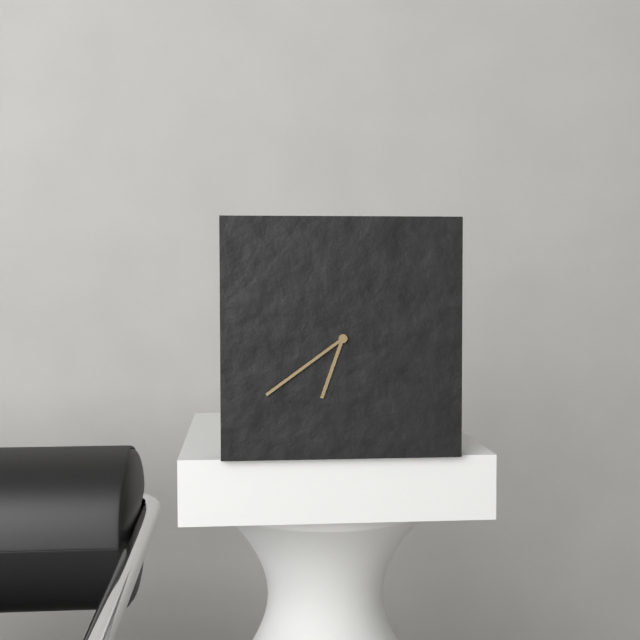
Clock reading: 6h39
